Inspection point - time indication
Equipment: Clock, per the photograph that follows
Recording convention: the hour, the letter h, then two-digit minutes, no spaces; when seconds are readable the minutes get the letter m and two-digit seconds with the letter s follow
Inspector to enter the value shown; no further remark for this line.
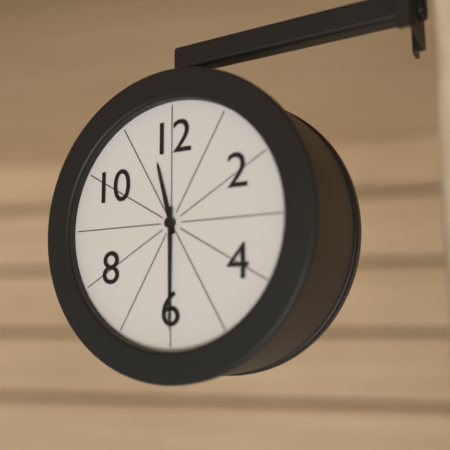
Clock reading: 11h30
